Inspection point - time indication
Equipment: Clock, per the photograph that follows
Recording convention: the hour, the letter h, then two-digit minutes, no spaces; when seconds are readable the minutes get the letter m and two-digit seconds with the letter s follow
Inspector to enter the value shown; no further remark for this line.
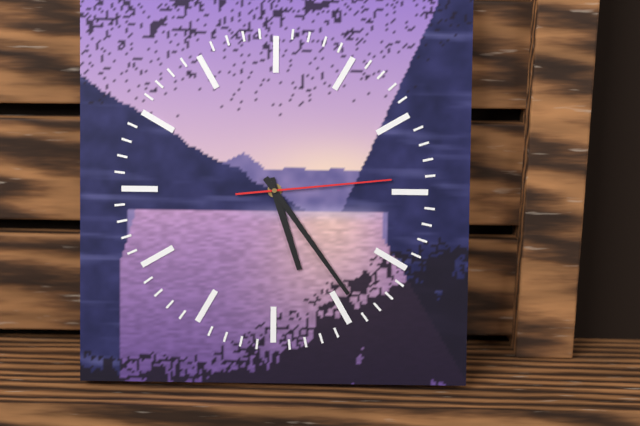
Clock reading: 5h24m14s
